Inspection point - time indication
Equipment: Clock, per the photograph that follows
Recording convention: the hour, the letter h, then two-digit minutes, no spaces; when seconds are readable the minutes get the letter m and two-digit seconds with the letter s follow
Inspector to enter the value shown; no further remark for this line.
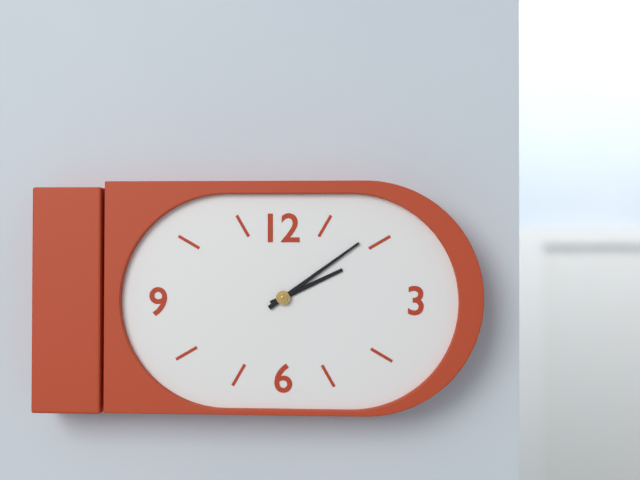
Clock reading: 2h09
